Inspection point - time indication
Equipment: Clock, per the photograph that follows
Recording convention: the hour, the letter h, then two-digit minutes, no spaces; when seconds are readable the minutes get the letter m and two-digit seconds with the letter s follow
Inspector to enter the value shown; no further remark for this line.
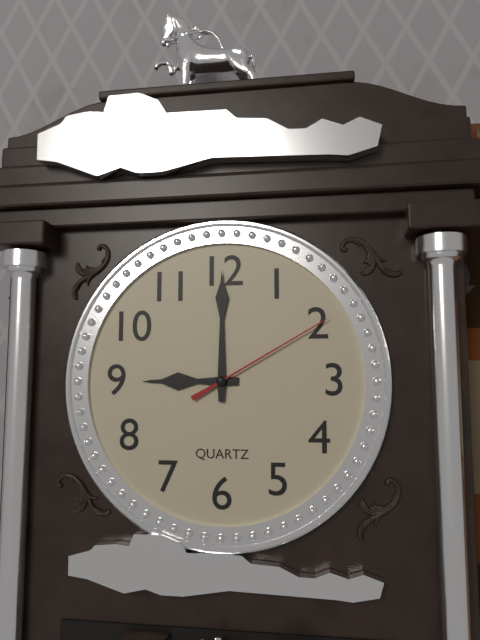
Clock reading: 9h00m10s
